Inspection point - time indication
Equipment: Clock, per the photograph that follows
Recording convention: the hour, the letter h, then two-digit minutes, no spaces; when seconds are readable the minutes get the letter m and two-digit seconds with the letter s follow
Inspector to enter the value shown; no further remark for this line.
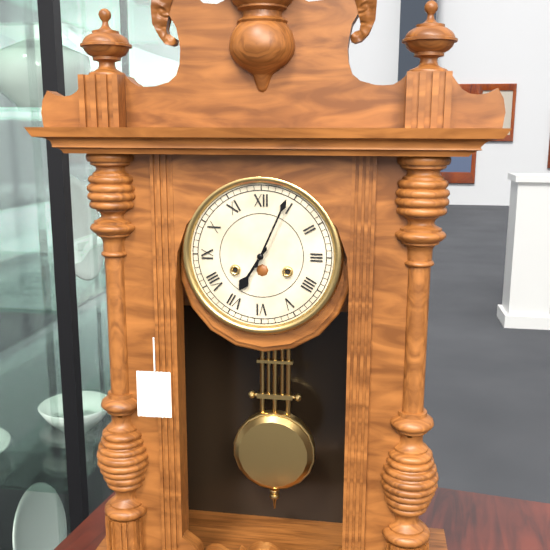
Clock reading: 7h04
